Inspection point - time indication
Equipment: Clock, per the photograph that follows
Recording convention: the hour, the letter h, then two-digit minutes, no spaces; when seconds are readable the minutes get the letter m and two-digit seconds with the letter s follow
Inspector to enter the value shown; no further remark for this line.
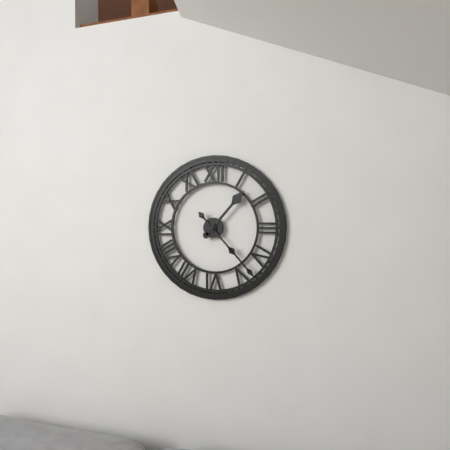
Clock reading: 1h23
